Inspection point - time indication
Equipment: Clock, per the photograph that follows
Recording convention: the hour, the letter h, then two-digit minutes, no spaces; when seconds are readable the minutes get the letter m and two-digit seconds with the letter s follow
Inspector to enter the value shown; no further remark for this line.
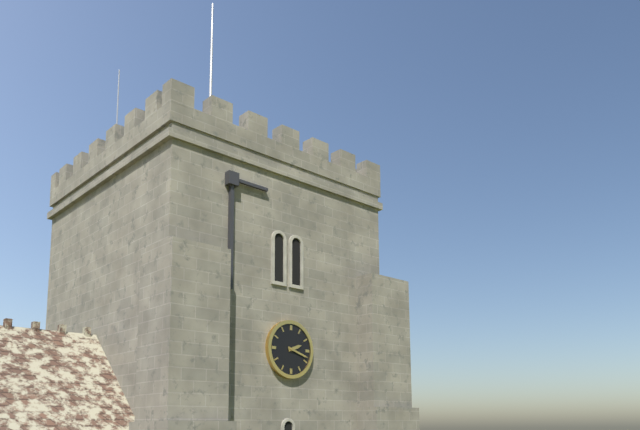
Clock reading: 2h18
